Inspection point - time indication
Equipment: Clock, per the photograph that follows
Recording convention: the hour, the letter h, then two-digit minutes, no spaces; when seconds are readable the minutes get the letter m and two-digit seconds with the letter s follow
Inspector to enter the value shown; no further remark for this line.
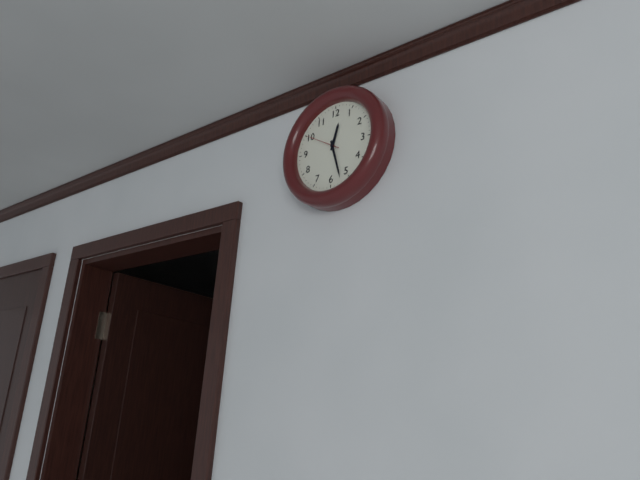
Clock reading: 12h27
